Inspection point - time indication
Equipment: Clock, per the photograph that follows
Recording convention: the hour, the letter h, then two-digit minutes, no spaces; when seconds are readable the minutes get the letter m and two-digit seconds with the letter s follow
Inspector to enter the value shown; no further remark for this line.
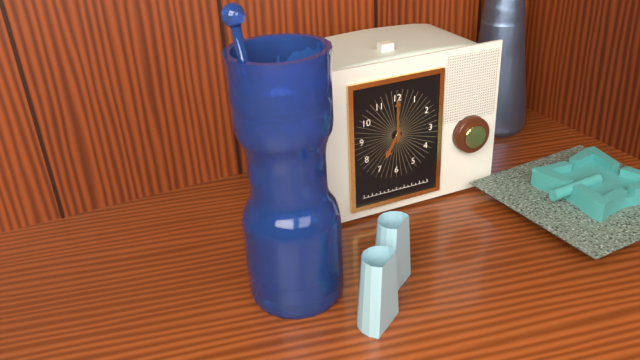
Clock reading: 7h00
